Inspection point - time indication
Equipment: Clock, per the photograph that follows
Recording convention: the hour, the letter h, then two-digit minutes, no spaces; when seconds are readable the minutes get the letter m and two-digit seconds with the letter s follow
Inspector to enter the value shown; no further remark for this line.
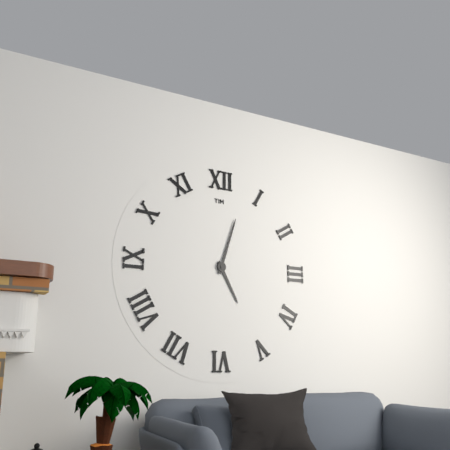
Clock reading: 5h03
